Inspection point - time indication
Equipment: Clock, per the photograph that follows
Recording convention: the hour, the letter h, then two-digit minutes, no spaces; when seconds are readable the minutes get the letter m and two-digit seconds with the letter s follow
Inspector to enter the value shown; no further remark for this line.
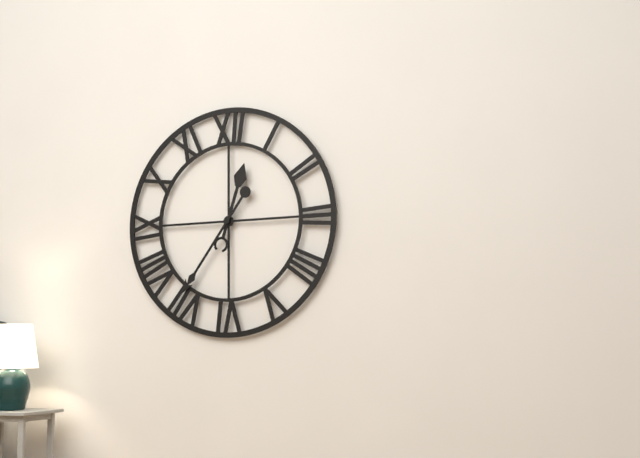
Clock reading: 12h36
